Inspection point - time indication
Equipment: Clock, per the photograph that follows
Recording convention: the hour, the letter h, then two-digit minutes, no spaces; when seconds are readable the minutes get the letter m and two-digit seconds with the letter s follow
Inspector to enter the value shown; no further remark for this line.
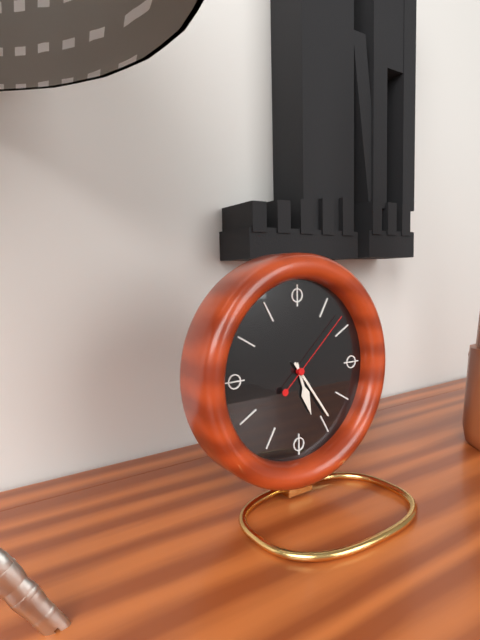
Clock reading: 5h24m08s
